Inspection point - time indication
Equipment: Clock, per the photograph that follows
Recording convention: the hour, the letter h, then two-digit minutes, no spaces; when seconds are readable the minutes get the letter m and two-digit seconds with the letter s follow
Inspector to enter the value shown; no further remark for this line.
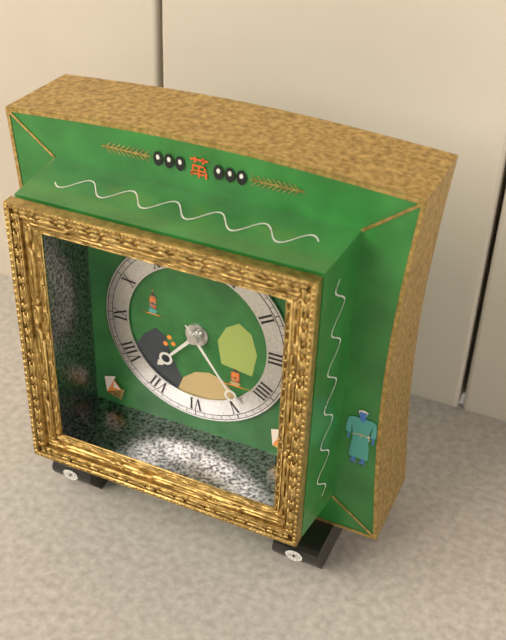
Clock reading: 7h24
